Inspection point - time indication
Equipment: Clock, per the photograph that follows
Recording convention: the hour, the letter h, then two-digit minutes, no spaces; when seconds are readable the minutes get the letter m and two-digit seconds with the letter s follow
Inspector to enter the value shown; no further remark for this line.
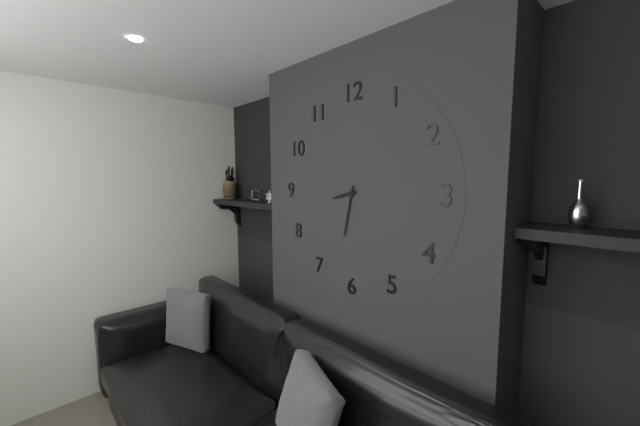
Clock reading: 8h32
